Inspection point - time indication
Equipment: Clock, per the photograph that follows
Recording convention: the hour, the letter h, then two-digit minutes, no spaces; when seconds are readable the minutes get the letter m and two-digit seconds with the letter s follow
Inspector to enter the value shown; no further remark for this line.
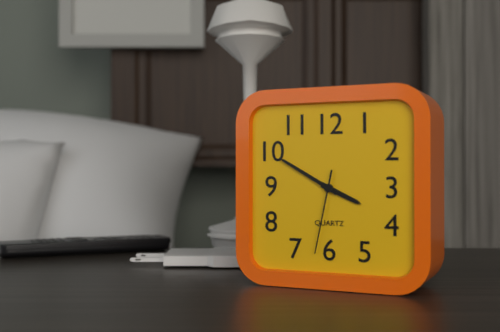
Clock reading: 3h50m32s
